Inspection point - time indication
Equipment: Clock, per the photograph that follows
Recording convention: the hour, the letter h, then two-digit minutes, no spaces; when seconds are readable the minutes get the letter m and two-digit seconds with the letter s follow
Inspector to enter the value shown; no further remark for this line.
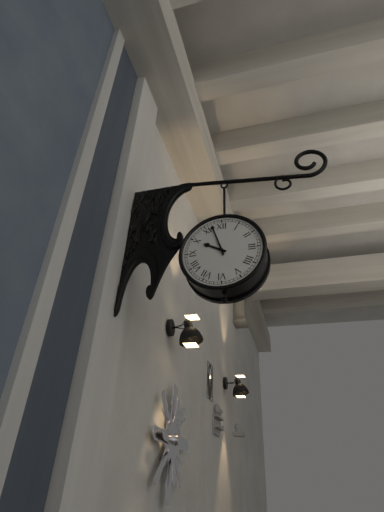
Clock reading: 9h57
